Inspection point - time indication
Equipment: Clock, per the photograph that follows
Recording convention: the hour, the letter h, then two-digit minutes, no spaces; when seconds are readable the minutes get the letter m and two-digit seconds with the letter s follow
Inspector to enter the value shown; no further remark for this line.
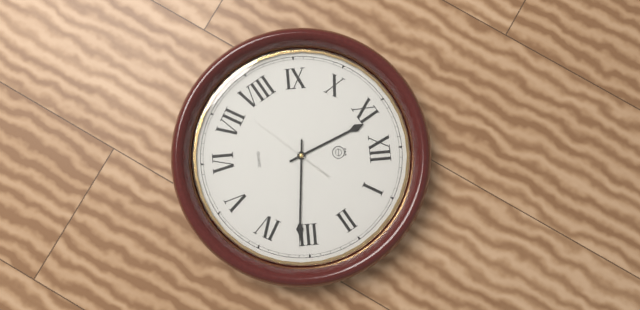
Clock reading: 11h16m37s
